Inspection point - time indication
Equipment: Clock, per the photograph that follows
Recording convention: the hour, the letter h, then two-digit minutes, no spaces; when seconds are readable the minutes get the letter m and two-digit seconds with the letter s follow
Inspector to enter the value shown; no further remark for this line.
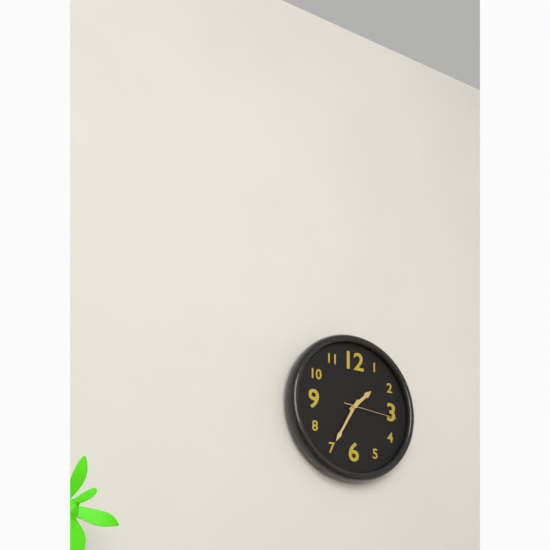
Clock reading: 1h35m16s
